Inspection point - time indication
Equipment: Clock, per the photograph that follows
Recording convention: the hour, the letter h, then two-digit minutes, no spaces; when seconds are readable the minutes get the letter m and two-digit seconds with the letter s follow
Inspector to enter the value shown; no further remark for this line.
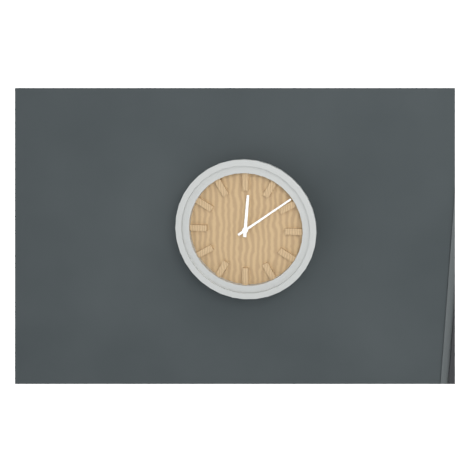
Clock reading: 12h09
